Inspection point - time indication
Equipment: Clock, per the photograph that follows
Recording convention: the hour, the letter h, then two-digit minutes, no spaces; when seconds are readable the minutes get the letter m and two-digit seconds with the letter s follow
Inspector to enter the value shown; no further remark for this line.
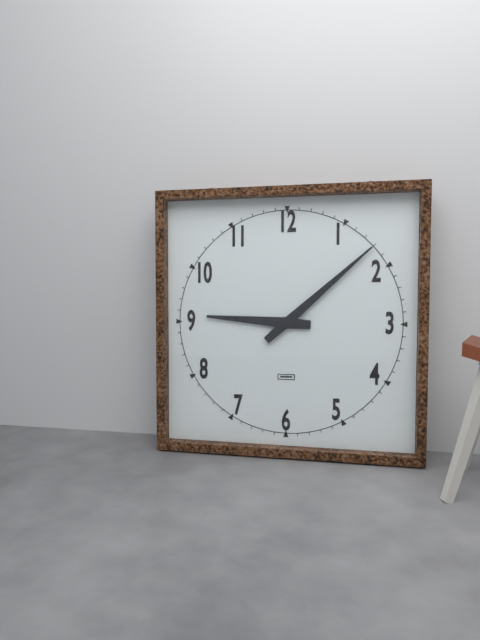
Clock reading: 9h08
